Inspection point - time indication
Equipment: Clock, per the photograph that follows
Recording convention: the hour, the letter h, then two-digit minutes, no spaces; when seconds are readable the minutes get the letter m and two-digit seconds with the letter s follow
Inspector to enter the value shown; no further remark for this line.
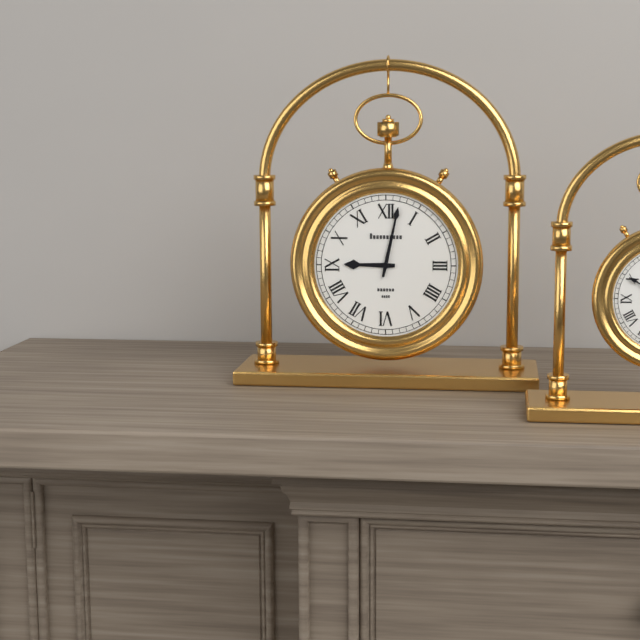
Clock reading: 9h02
